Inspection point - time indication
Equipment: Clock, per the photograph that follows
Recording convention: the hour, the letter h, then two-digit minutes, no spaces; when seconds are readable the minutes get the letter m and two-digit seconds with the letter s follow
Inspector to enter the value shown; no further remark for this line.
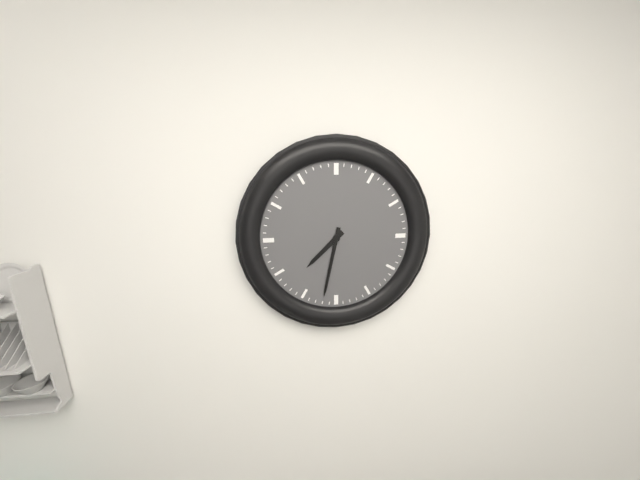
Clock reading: 7h32
